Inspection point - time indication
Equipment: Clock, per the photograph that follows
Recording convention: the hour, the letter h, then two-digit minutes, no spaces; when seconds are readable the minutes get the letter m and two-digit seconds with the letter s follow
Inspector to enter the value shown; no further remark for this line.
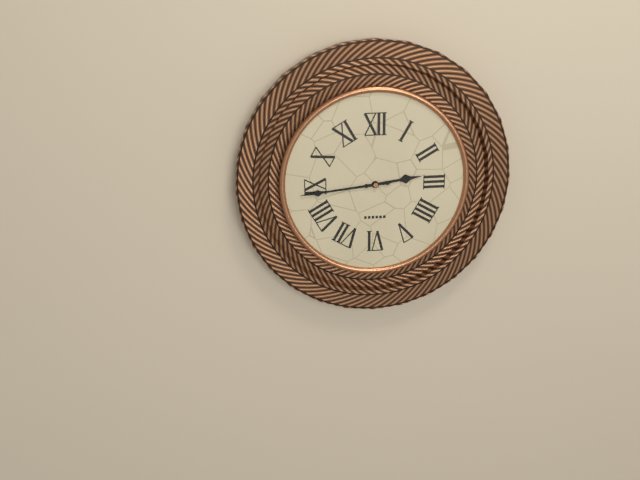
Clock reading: 2h44
